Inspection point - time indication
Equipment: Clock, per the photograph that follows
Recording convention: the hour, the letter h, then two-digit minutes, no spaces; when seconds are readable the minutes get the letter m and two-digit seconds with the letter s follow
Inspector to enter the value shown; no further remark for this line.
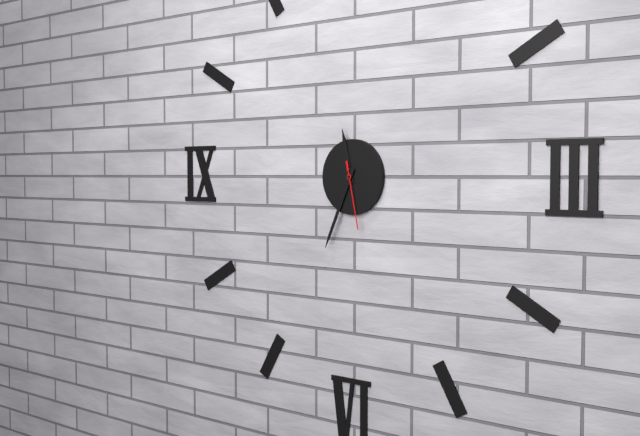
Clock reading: 11h34m28s
